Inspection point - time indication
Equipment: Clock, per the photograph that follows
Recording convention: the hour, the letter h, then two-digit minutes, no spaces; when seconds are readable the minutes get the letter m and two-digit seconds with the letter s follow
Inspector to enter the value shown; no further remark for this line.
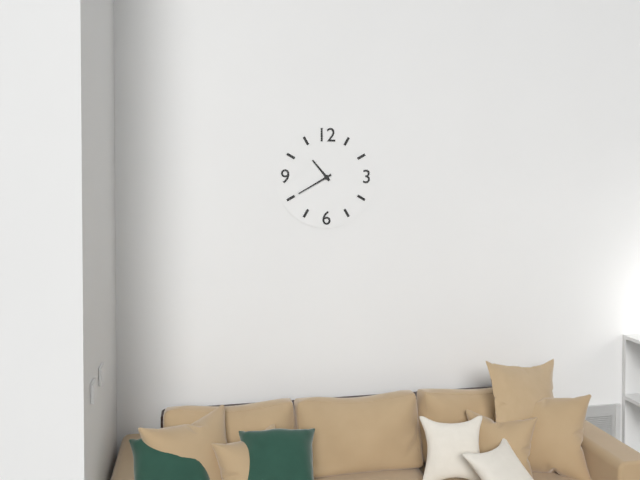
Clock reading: 10h40
